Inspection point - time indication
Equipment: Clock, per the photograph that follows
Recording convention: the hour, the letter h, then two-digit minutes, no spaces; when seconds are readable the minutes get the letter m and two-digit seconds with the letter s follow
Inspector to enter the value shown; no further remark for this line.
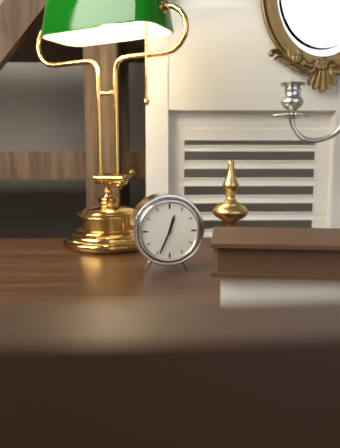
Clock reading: 12h34
